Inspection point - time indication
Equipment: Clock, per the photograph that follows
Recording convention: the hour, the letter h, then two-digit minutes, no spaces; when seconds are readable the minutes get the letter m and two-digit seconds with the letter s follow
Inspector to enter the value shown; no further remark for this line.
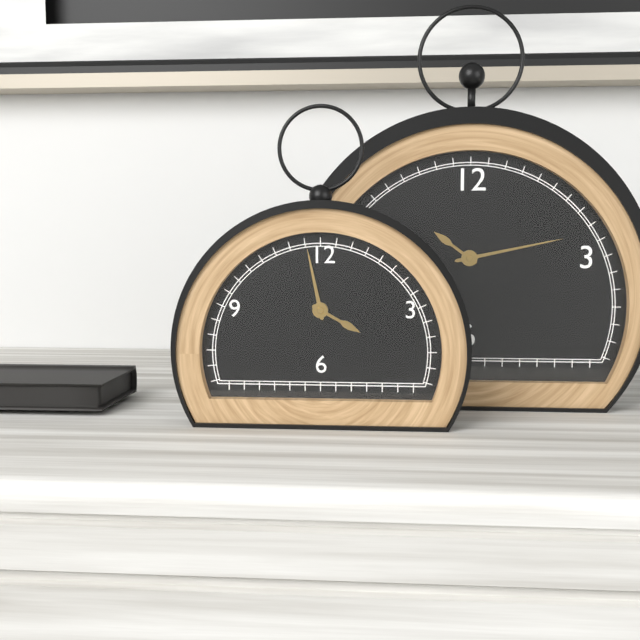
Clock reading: 3h58
